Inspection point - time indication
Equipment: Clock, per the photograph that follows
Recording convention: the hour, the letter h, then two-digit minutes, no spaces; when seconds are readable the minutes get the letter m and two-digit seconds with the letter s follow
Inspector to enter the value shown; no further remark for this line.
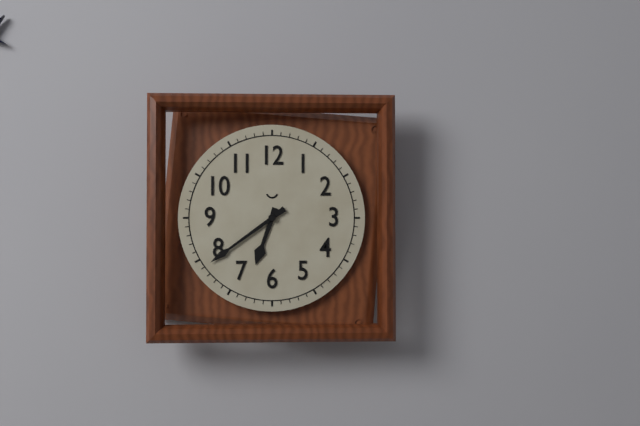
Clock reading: 6h39
